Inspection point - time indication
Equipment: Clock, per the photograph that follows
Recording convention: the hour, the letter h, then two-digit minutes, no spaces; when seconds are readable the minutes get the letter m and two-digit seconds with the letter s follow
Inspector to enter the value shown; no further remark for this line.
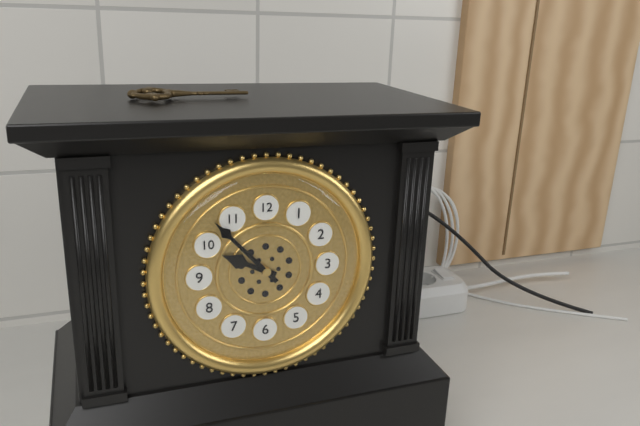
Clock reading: 9h53
